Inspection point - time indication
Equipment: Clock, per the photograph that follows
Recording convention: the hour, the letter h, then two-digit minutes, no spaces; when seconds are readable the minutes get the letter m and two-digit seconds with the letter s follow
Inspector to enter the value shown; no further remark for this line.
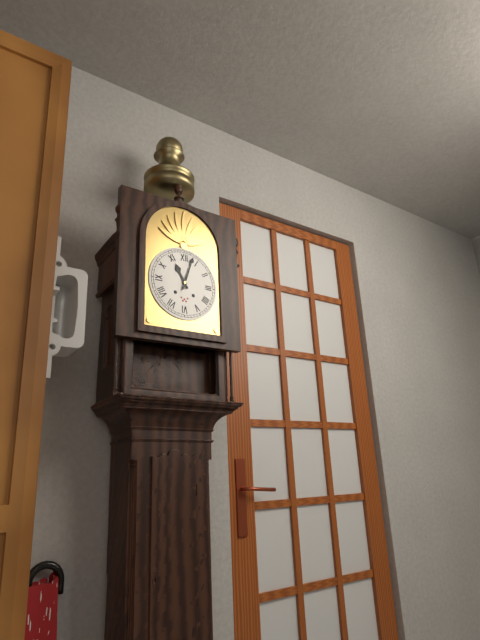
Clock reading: 11h03
